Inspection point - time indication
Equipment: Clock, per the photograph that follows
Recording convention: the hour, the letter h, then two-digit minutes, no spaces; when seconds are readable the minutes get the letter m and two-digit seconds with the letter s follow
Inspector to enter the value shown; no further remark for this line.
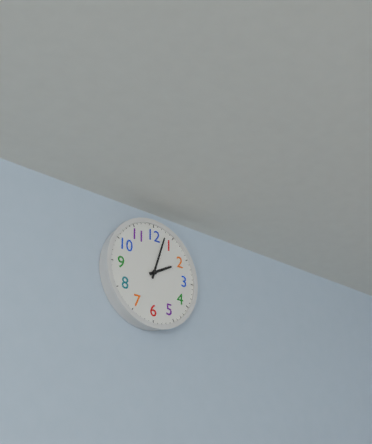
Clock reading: 2h03
